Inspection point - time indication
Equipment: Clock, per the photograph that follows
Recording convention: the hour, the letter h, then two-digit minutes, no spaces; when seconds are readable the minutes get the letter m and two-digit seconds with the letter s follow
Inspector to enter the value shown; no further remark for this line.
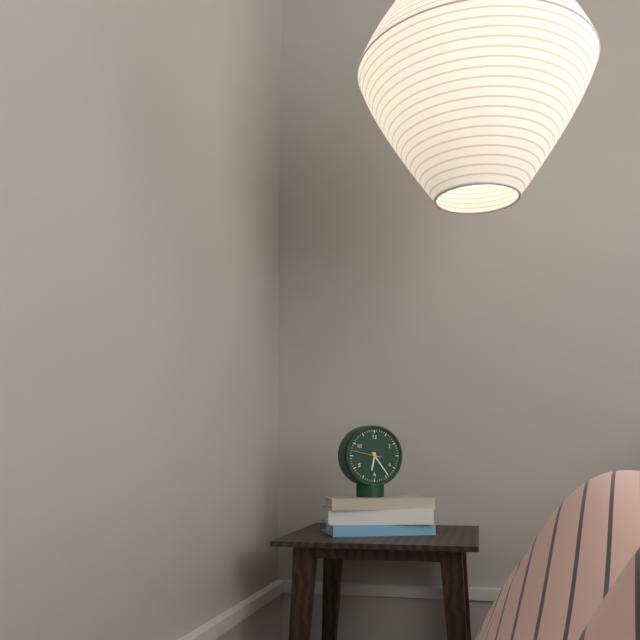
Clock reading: 6h24
